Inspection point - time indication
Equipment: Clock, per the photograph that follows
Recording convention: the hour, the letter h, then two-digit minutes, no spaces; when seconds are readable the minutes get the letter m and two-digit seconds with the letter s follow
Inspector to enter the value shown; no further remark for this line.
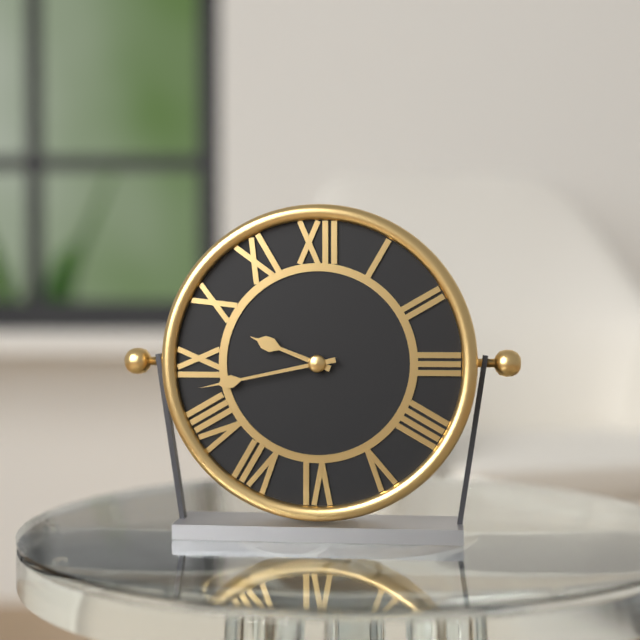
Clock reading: 9h43
